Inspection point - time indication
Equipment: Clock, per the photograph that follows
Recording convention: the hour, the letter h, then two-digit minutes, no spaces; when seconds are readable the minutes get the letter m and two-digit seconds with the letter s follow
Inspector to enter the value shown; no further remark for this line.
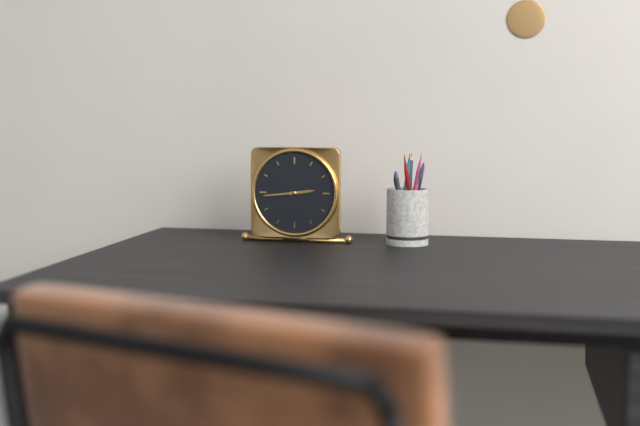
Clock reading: 2h44
